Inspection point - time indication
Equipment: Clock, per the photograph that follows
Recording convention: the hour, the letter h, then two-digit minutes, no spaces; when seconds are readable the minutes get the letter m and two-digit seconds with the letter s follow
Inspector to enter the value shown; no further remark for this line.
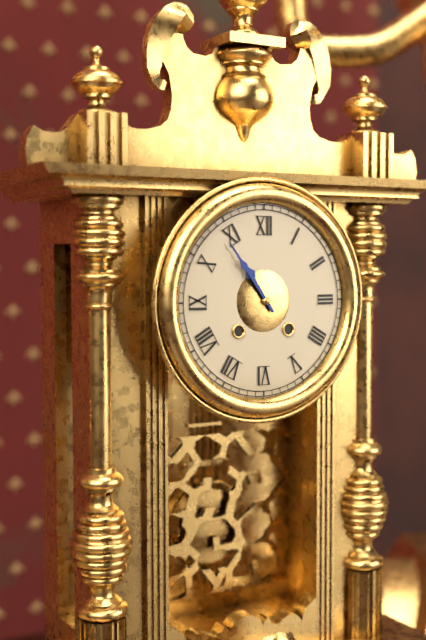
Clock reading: 10h54
